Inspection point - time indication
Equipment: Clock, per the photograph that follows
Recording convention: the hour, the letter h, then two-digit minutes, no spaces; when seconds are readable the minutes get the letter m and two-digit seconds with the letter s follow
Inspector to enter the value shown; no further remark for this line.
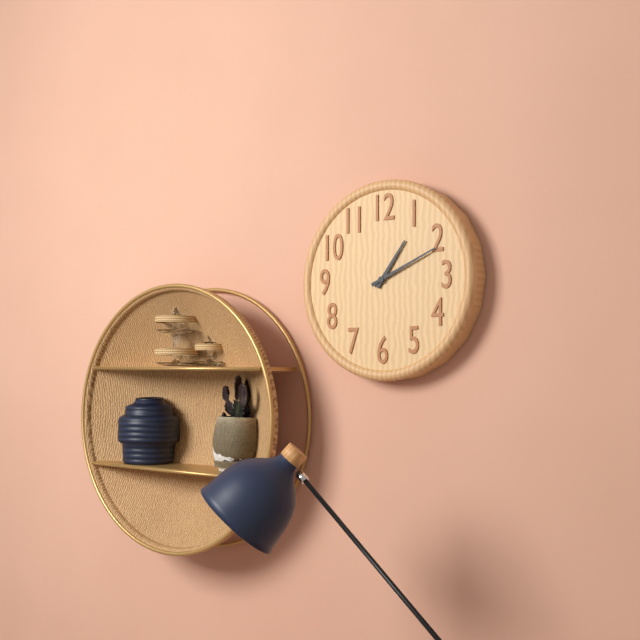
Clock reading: 1h11
